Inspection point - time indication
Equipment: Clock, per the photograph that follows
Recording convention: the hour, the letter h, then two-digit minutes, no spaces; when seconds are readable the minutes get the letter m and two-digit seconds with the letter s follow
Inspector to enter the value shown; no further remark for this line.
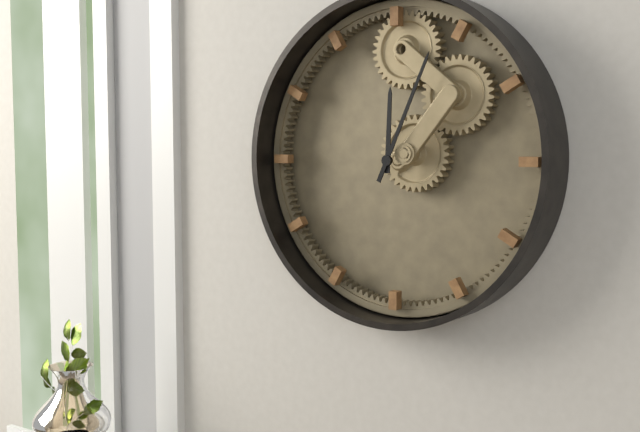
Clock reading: 12h04
